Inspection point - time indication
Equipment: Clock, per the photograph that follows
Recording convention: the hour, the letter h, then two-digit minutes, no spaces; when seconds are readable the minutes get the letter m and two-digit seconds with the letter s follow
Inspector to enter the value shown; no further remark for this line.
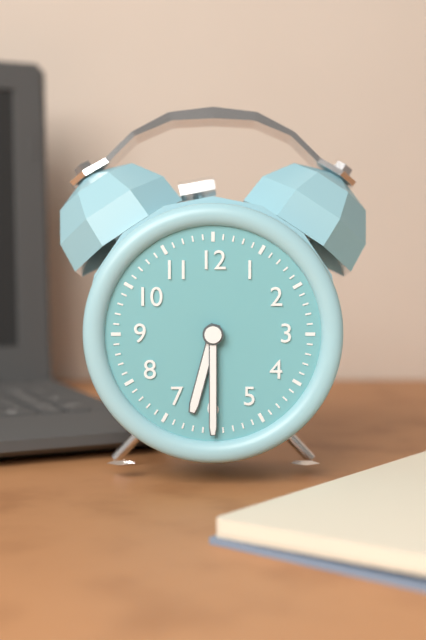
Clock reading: 6h30
